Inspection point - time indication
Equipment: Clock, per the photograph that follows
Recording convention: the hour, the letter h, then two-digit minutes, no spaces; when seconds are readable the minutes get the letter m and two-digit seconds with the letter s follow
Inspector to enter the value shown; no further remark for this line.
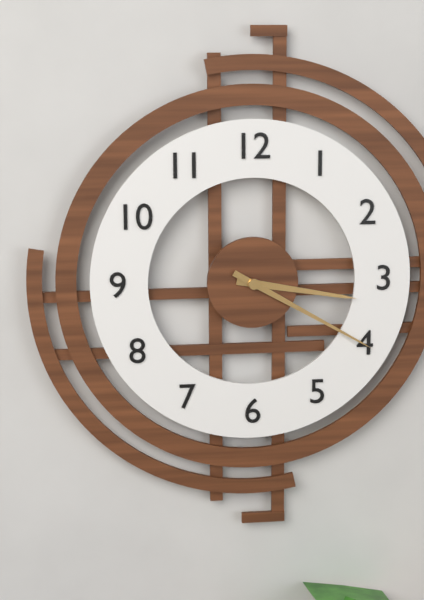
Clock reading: 3h20
